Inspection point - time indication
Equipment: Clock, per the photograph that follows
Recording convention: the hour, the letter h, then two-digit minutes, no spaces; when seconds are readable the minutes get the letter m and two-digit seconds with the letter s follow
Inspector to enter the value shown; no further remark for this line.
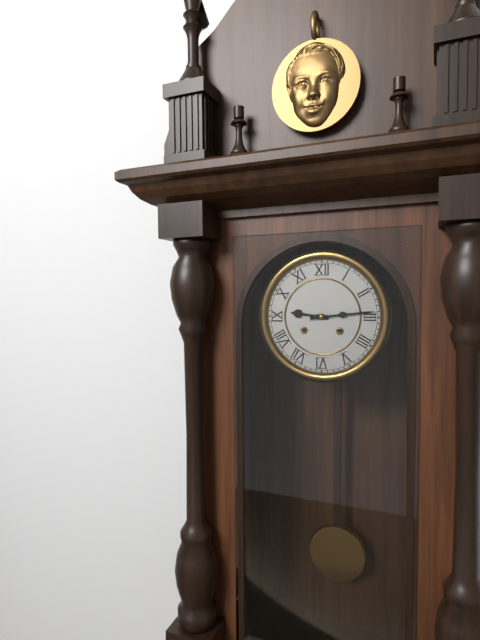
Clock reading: 9h14
